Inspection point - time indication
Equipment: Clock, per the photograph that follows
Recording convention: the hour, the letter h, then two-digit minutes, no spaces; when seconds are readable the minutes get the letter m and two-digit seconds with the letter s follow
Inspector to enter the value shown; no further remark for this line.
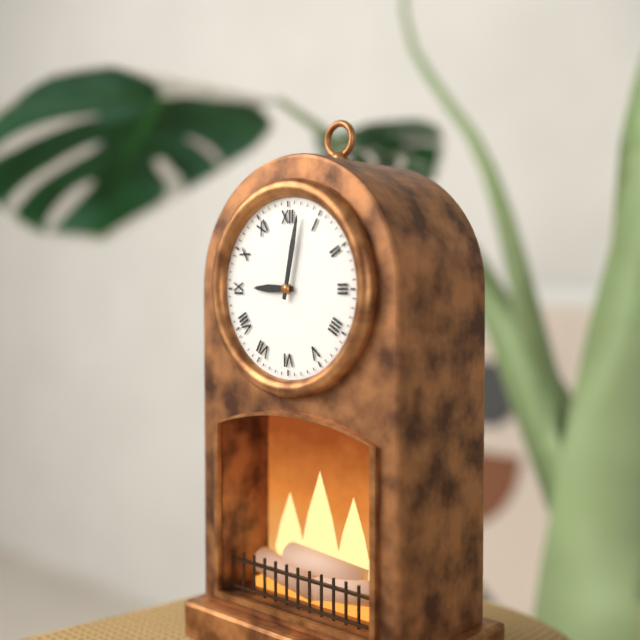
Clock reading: 9h02
